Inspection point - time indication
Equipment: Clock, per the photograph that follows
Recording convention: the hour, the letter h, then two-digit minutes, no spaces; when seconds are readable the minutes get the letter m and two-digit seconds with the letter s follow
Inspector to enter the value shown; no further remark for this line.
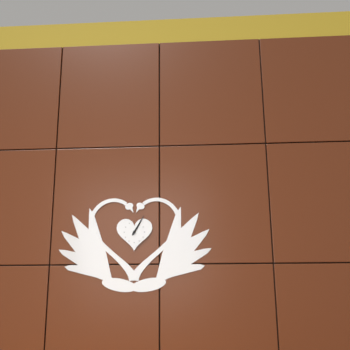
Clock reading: 1h05
